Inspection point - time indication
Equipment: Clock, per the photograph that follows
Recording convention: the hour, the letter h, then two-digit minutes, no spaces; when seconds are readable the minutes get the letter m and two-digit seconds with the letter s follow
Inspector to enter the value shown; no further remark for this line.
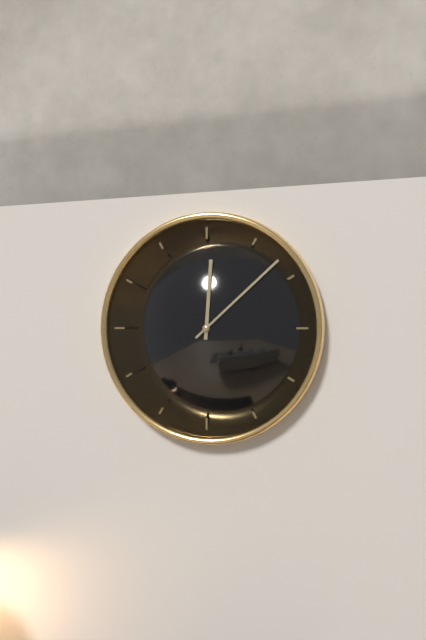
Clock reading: 12h08
